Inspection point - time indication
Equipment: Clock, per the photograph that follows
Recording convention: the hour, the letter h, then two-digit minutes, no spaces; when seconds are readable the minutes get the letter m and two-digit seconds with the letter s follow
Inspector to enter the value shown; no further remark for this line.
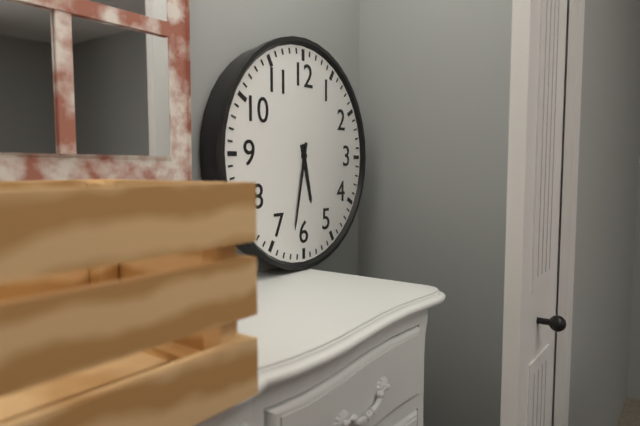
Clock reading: 5h32
